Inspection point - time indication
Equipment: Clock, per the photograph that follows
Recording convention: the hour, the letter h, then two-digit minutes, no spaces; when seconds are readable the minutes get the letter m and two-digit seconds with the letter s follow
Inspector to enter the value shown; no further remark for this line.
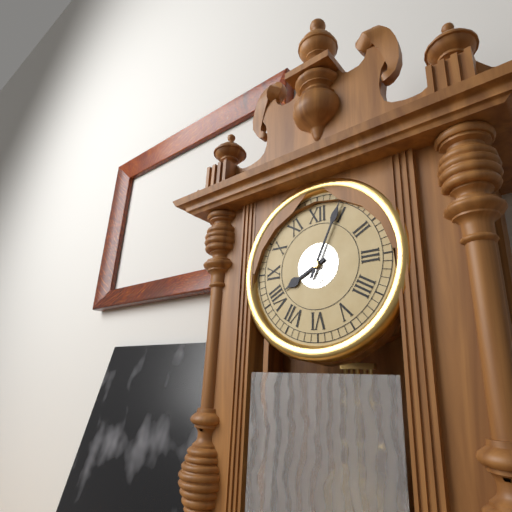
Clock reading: 8h04
